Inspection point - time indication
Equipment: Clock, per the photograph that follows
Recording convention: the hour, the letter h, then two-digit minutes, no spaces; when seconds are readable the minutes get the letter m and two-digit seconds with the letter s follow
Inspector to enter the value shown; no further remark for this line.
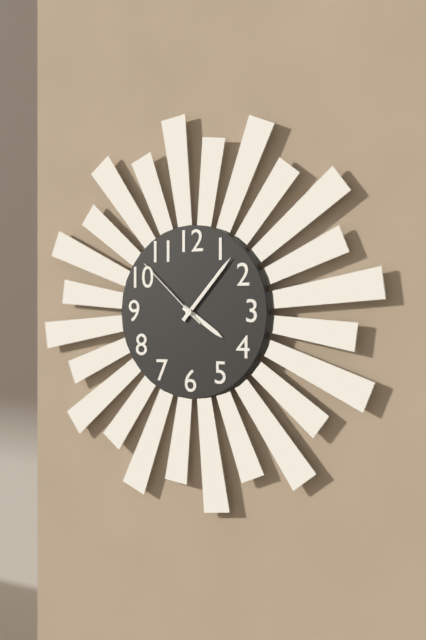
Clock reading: 4h07m52s
